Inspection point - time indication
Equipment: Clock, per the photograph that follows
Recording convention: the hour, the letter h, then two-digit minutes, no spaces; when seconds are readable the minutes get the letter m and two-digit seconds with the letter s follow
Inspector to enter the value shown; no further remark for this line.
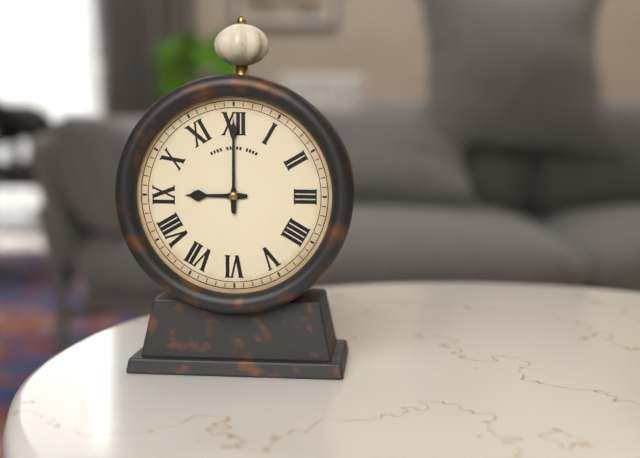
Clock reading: 9h00
